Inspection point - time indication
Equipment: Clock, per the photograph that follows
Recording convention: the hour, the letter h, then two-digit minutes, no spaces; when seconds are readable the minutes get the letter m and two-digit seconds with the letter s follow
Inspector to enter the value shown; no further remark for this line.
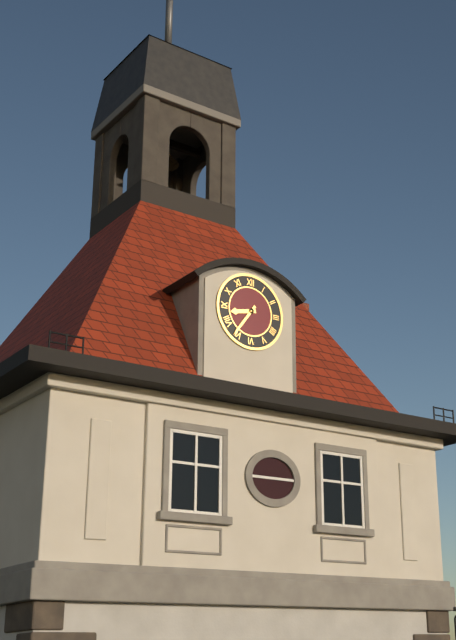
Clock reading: 8h36
